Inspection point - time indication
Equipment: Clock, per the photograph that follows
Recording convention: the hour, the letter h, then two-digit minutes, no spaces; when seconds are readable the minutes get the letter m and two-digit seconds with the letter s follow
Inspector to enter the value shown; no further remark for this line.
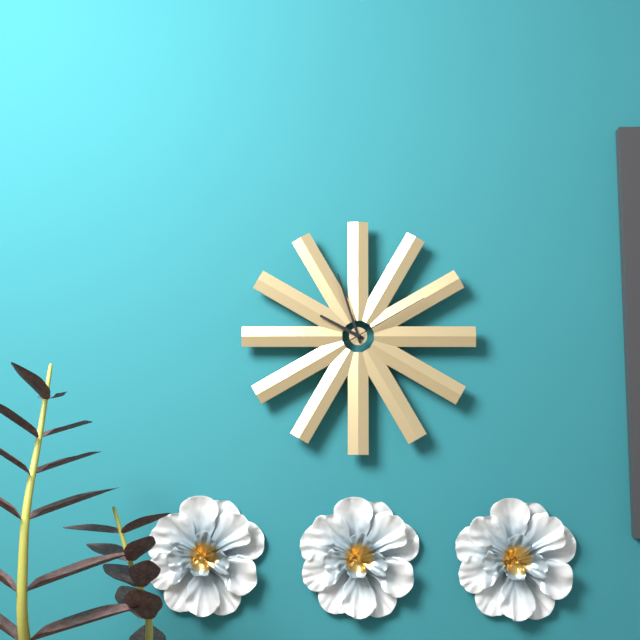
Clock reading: 9h57m10s
